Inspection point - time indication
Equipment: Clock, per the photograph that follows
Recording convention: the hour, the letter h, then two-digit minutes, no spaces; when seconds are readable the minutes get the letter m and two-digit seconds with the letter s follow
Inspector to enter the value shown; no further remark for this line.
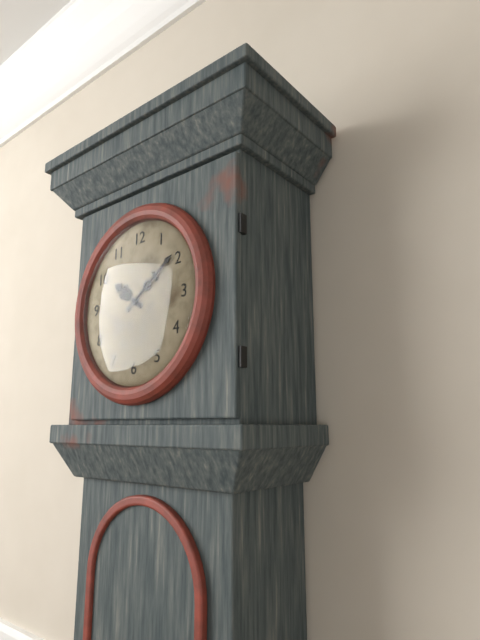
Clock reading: 10h09
